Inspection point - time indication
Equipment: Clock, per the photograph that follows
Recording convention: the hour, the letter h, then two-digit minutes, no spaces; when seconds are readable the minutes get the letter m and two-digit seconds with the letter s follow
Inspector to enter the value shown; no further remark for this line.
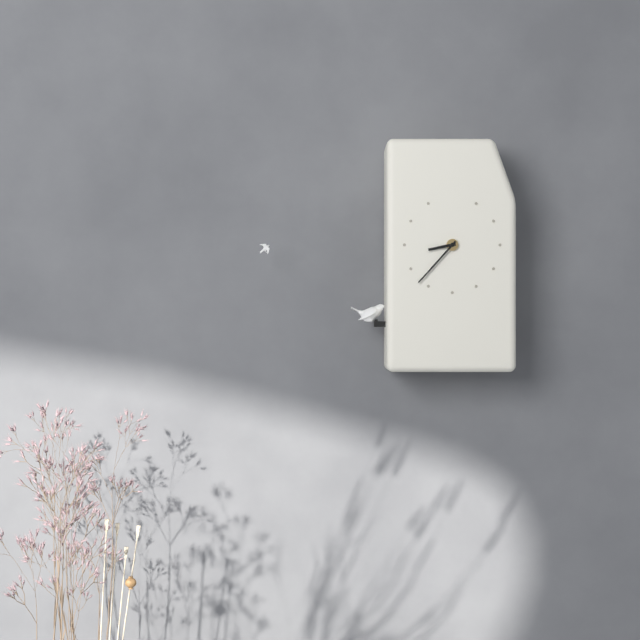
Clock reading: 8h37
